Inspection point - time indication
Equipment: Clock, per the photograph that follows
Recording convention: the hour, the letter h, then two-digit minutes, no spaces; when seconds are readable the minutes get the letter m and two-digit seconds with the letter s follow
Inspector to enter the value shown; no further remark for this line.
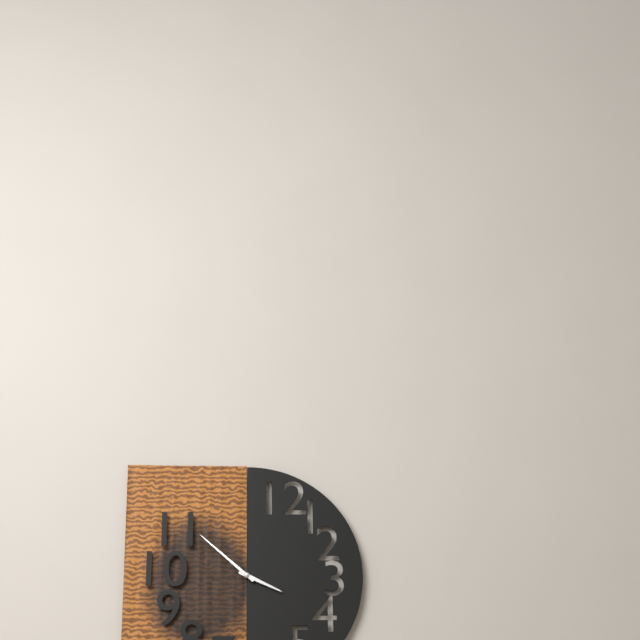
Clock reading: 3h52
